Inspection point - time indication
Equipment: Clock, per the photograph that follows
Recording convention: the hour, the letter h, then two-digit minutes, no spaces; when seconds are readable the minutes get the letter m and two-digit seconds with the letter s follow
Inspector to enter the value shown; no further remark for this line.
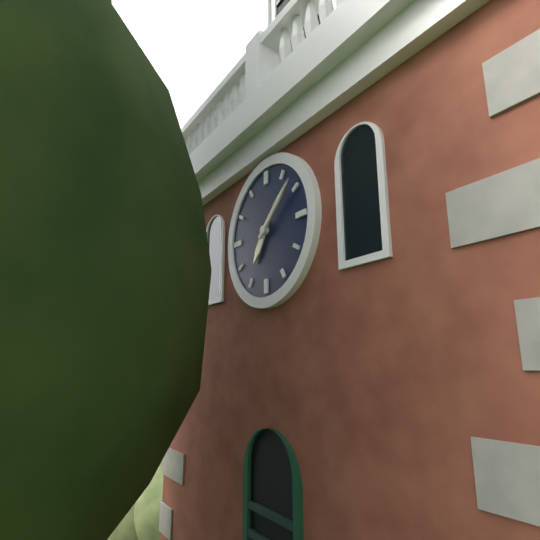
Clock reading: 7h08
